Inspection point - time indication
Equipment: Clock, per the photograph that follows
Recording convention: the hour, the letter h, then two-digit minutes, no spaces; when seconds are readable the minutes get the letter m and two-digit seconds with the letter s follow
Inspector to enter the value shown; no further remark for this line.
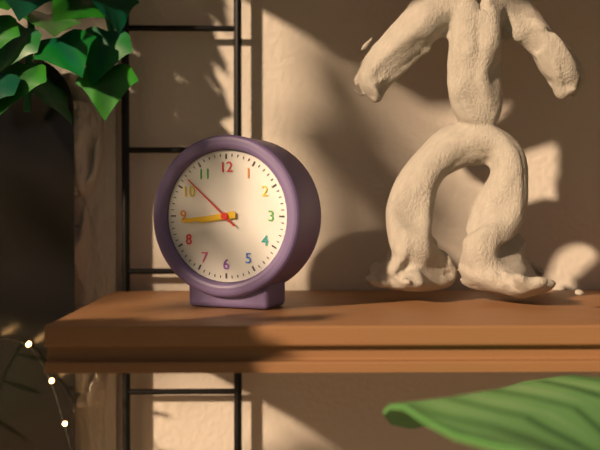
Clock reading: 8h44m52s
